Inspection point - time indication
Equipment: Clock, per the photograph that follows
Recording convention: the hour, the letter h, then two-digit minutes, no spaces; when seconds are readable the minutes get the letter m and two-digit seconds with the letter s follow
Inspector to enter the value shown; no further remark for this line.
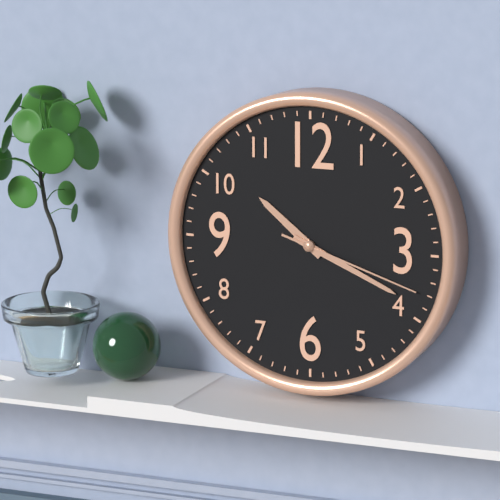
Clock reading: 10h19m18s
